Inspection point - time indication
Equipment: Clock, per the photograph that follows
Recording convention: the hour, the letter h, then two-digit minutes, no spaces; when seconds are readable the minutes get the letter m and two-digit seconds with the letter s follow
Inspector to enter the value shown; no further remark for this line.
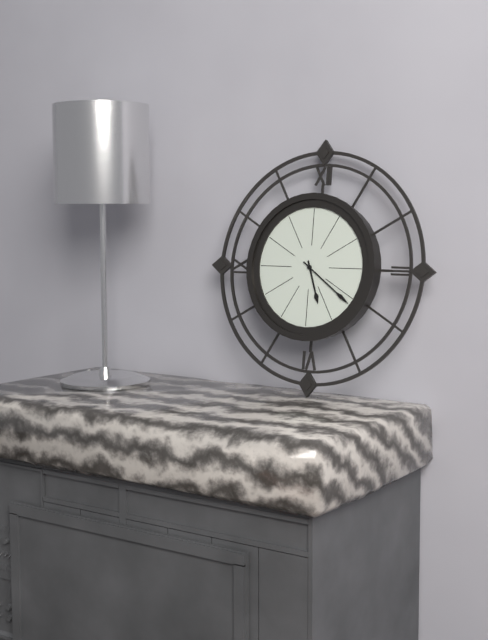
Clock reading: 5h21
